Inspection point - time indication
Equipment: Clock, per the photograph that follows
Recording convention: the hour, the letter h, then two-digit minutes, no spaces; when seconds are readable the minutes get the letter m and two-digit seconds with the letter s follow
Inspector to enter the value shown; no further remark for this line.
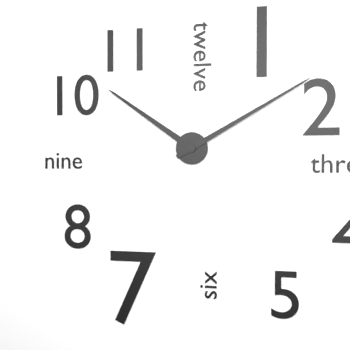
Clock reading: 10h10
